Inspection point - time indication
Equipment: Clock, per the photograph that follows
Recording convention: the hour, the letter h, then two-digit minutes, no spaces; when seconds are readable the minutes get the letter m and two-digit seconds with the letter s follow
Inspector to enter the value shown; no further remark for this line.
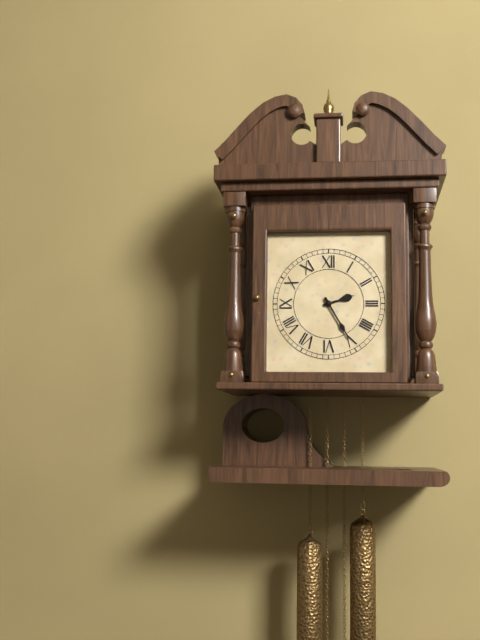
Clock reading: 2h25
